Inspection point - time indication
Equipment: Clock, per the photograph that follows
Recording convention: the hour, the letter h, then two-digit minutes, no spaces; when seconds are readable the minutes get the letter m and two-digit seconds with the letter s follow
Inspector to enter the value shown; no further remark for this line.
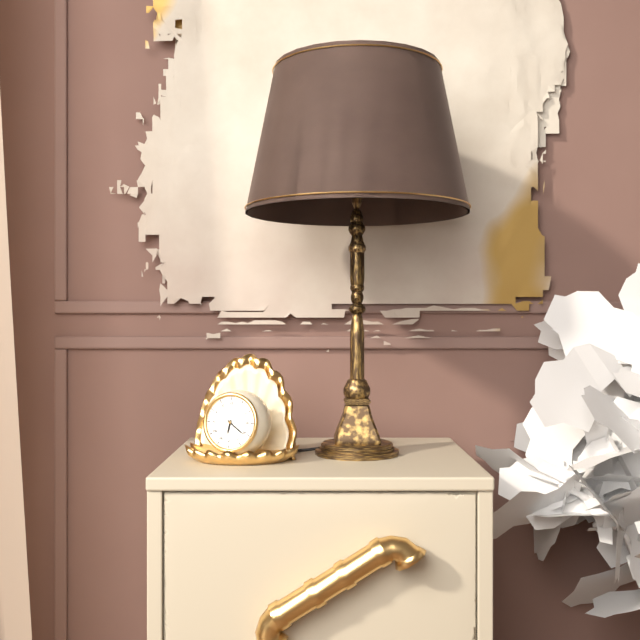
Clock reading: 6h21
